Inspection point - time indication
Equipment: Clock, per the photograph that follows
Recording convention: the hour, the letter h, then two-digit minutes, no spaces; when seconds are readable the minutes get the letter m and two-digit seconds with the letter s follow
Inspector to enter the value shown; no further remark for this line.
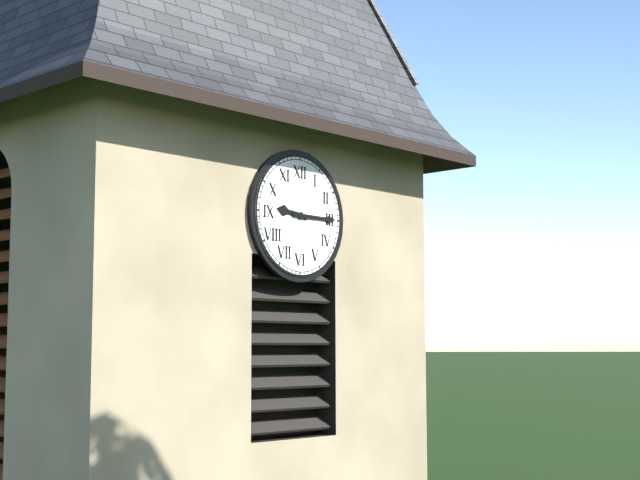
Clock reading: 9h15
